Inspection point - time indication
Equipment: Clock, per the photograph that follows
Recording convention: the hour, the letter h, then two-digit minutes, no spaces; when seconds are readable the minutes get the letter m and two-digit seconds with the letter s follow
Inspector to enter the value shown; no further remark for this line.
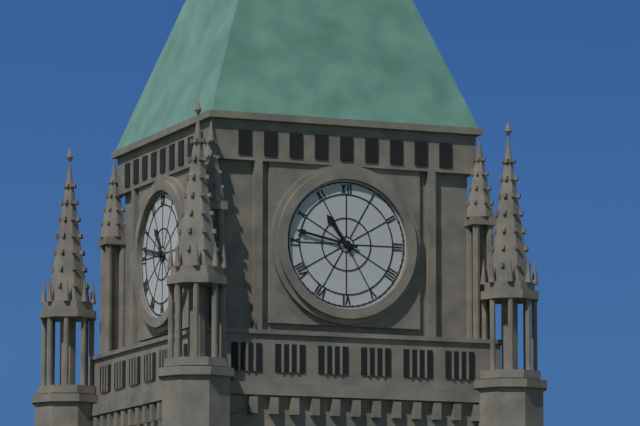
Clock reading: 10h47
